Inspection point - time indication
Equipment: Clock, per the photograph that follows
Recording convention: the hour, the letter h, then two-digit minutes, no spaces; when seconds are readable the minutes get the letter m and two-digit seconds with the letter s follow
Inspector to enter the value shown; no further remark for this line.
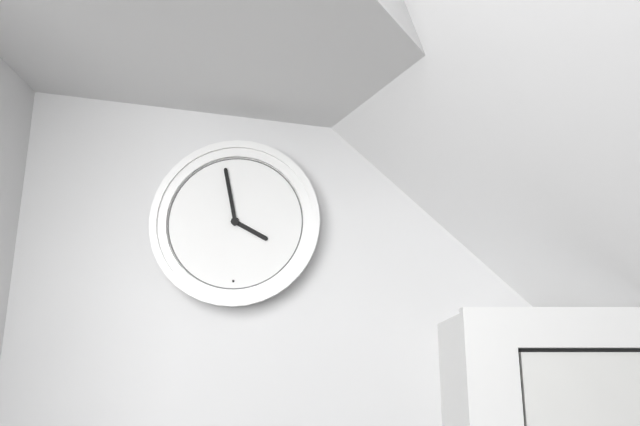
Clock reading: 3h58
